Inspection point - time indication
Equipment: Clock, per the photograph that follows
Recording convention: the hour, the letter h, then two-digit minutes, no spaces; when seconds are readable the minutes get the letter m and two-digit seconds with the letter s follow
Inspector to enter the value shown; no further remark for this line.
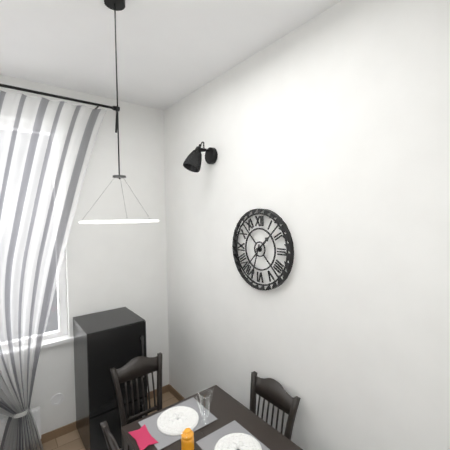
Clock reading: 1h33
